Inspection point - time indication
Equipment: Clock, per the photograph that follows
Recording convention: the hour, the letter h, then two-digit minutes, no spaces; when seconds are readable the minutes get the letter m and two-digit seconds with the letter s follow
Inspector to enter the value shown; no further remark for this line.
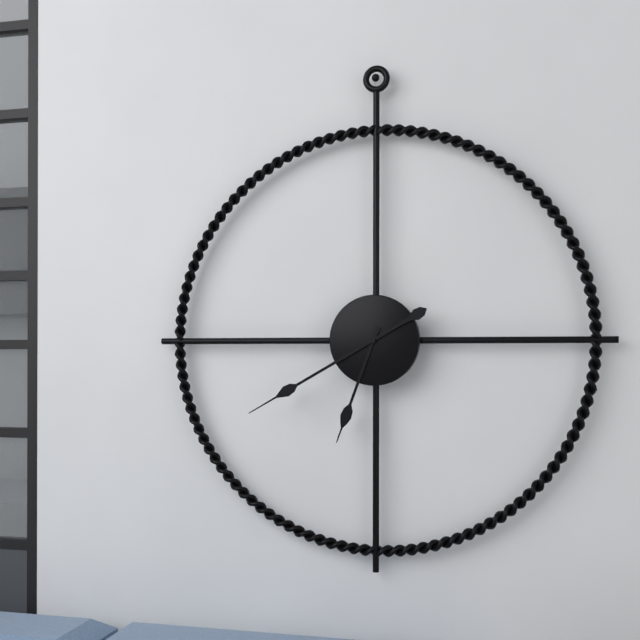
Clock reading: 6h40
